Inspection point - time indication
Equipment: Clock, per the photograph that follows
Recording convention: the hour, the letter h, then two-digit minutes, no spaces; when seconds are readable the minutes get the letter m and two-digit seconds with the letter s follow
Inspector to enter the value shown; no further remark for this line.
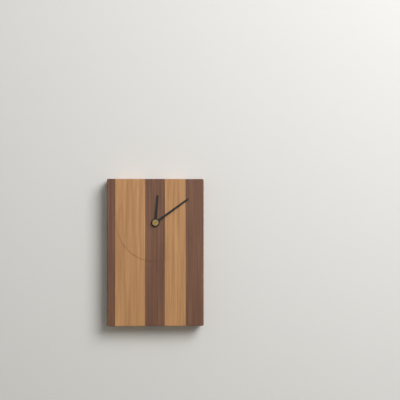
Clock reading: 12h09
